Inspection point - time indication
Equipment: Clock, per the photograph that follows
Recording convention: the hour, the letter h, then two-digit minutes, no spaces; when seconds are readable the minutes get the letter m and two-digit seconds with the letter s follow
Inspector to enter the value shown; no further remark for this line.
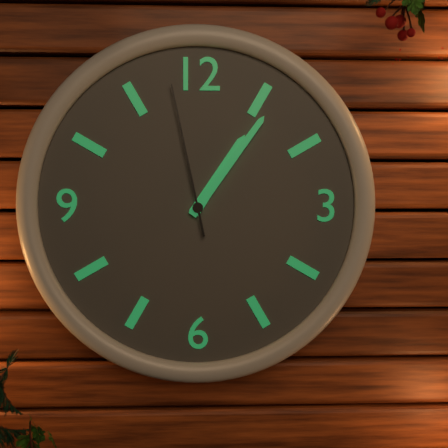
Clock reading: 1h06m58s
